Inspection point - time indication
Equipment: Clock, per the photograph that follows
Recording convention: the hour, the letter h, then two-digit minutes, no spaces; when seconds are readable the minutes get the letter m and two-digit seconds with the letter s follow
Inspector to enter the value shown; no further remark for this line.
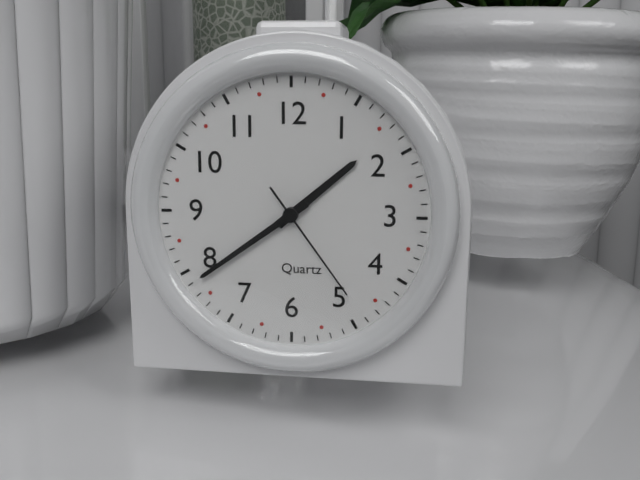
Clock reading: 1h39m24s
